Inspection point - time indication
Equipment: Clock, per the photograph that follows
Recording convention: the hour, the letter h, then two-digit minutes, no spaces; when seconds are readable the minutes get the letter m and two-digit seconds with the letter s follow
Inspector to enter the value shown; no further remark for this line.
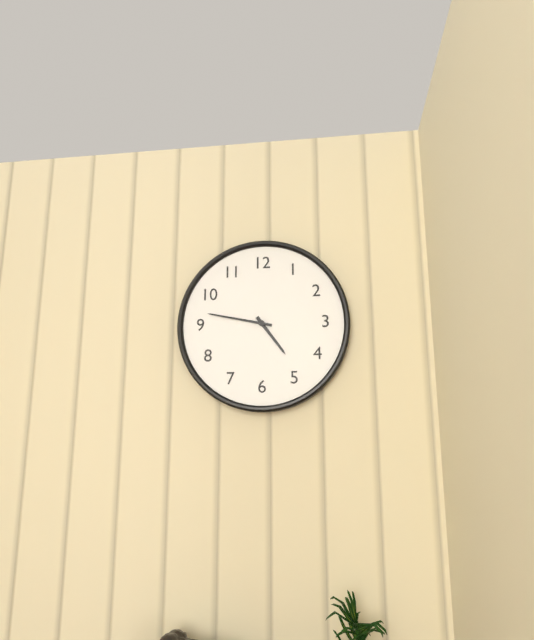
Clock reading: 4h47
